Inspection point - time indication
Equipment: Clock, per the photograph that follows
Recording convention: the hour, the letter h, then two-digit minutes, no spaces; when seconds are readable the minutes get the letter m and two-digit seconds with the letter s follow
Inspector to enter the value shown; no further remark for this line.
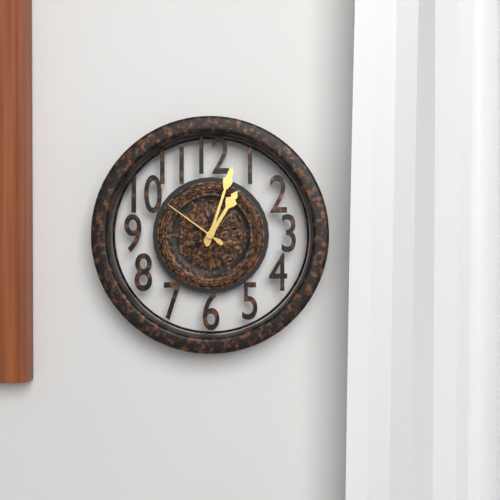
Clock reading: 1h03m51s
